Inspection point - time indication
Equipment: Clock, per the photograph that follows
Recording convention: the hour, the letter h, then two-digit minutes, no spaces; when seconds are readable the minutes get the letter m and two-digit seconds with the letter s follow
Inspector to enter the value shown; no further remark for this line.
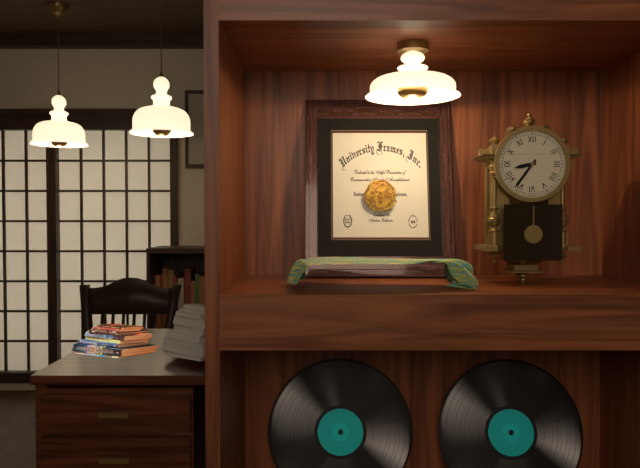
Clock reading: 8h36
